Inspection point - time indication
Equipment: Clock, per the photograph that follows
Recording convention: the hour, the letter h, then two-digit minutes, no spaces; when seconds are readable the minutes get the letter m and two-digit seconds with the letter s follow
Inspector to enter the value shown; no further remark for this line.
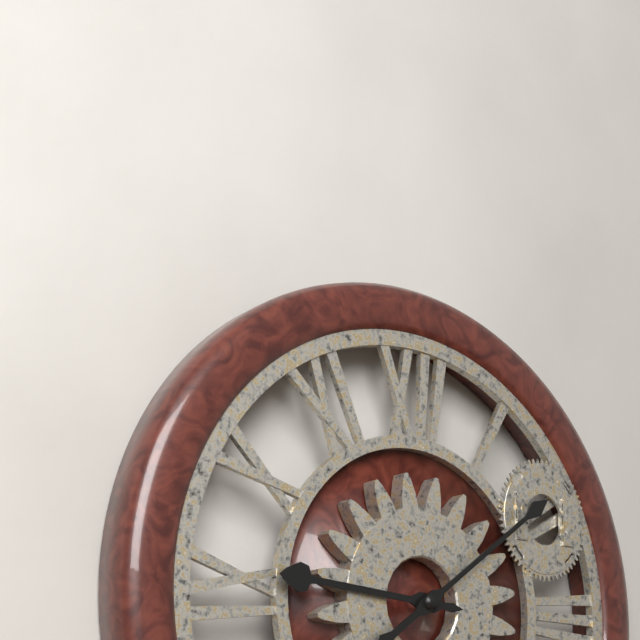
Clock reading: 9h09
